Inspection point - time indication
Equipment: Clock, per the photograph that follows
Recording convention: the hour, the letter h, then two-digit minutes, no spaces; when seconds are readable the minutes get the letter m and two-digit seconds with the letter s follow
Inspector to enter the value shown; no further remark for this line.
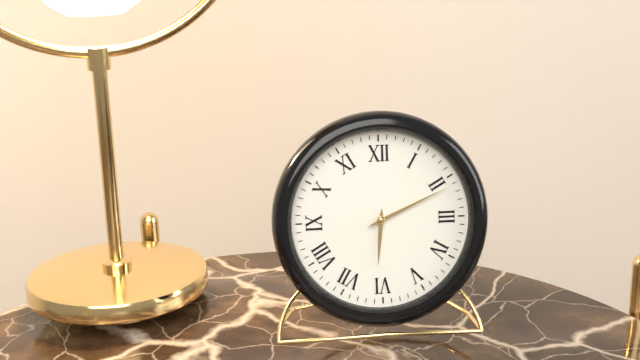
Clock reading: 6h11
